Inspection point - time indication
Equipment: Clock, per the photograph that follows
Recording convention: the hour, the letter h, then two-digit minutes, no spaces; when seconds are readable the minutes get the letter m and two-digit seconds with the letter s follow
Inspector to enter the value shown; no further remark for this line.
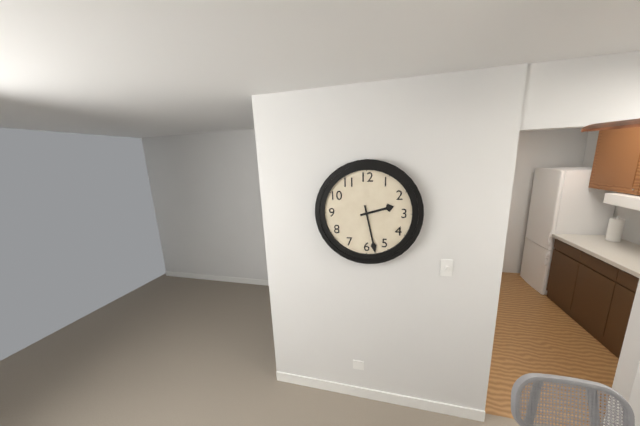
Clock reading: 2h28
